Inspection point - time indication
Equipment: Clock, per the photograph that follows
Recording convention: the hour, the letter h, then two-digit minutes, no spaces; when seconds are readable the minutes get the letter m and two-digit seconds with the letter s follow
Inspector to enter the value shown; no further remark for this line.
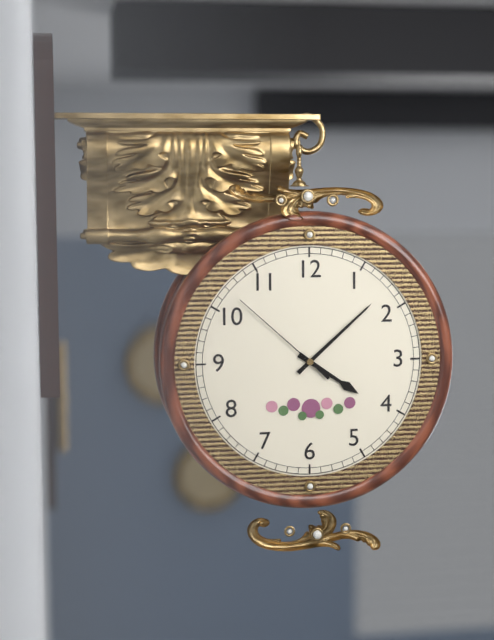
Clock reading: 4h08m52s
